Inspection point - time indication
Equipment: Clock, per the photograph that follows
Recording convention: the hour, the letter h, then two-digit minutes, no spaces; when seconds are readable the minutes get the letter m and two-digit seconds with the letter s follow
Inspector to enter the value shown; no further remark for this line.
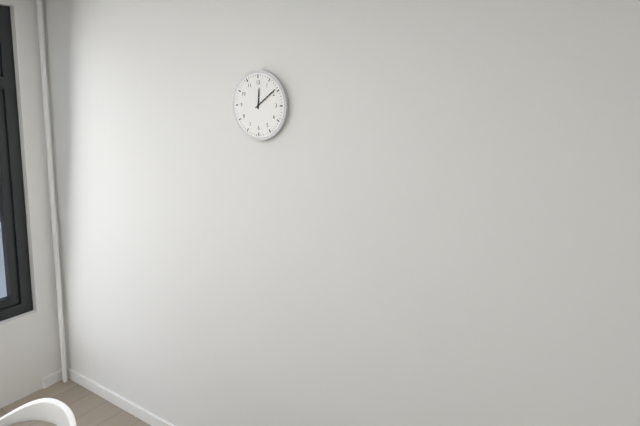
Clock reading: 12h09
